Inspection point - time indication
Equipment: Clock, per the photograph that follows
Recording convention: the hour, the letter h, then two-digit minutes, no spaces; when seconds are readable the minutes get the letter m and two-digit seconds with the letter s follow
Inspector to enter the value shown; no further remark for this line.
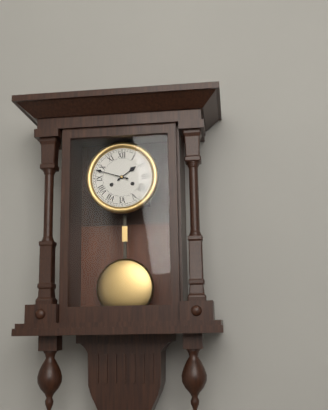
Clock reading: 1h48
